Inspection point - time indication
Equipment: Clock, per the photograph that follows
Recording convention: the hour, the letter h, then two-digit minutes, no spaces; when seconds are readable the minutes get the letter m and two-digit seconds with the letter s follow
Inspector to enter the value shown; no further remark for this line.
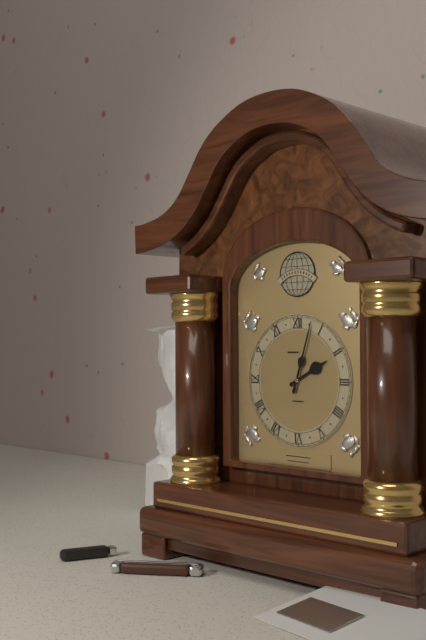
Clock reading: 2h03
